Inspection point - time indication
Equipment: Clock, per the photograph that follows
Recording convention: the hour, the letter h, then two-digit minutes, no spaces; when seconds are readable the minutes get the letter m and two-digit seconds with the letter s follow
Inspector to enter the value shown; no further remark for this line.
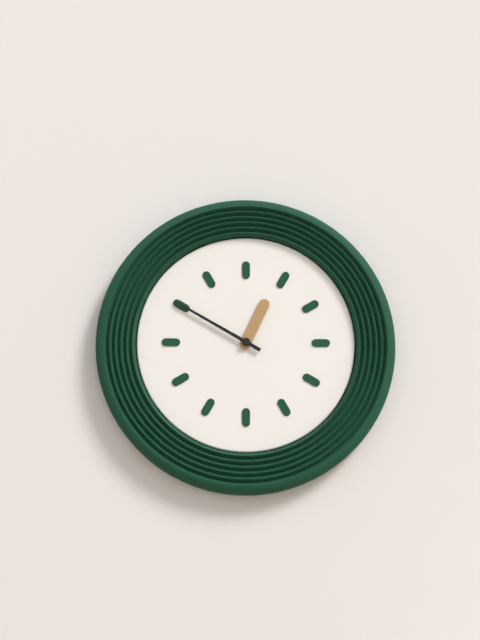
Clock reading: 12h50
